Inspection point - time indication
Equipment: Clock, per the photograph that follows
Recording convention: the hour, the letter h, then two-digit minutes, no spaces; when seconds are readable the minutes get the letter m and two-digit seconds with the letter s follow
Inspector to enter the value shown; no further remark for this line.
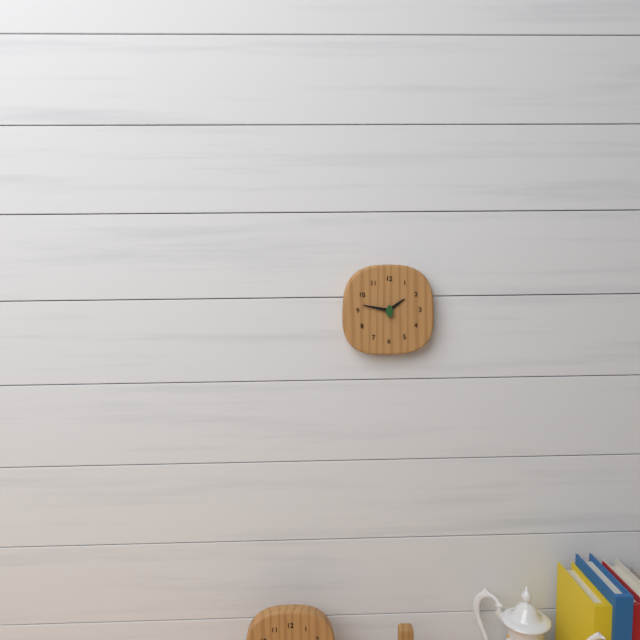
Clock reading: 1h47
